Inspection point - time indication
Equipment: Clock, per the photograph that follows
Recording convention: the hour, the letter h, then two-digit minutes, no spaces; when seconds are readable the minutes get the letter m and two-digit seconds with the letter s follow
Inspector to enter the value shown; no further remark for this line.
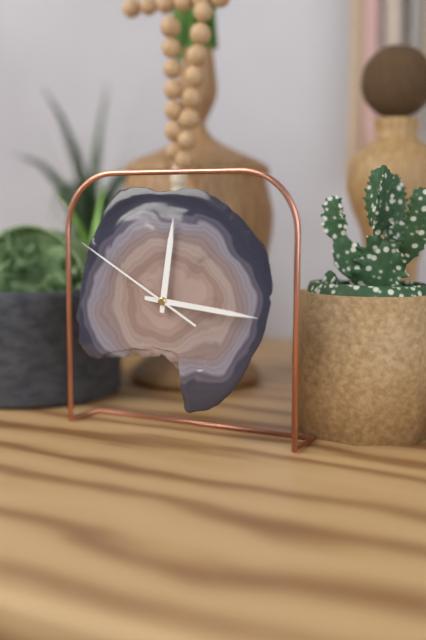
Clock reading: 12h16m50s
